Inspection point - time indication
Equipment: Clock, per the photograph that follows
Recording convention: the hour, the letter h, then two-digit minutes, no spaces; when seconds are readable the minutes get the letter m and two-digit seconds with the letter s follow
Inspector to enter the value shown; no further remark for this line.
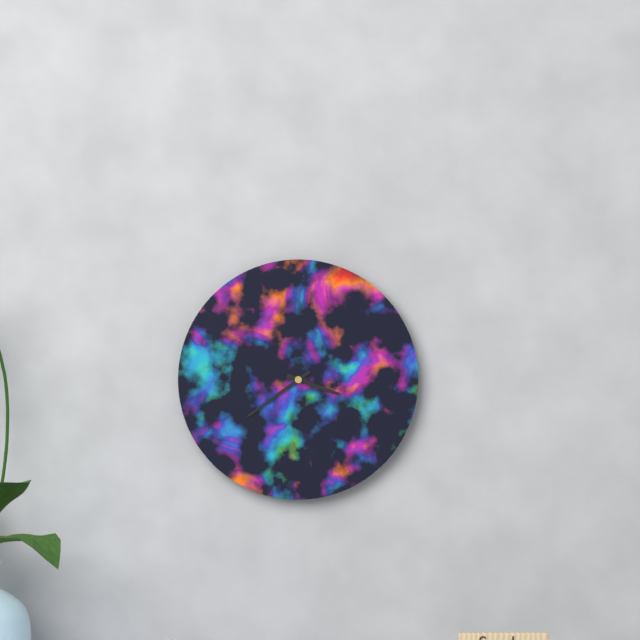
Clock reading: 3h39
